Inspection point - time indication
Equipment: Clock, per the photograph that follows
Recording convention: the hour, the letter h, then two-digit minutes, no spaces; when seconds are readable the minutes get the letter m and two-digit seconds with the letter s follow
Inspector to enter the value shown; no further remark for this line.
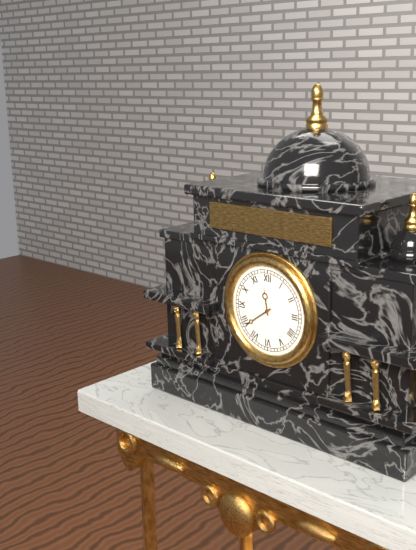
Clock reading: 11h39
